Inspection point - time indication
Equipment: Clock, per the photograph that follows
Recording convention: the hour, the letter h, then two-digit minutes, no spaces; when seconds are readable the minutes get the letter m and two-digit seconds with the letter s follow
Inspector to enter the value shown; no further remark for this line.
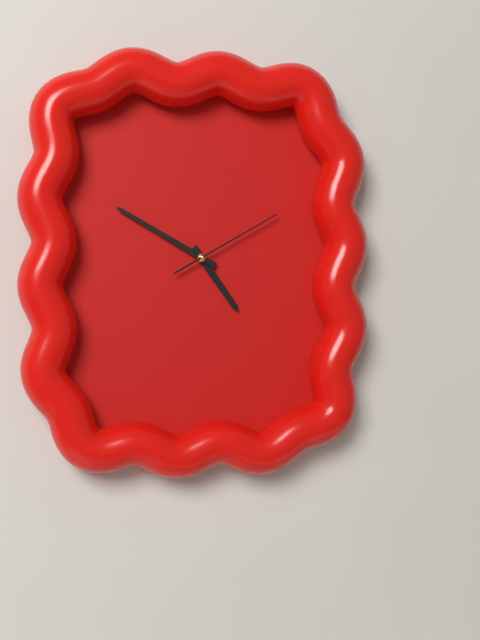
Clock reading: 4h50m10s
